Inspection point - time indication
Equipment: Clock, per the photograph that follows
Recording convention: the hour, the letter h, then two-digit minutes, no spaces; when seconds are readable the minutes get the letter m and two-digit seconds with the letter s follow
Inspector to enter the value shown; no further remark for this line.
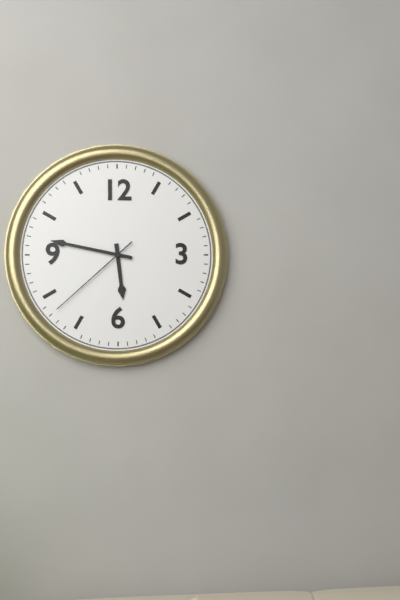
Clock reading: 5h47m38s
